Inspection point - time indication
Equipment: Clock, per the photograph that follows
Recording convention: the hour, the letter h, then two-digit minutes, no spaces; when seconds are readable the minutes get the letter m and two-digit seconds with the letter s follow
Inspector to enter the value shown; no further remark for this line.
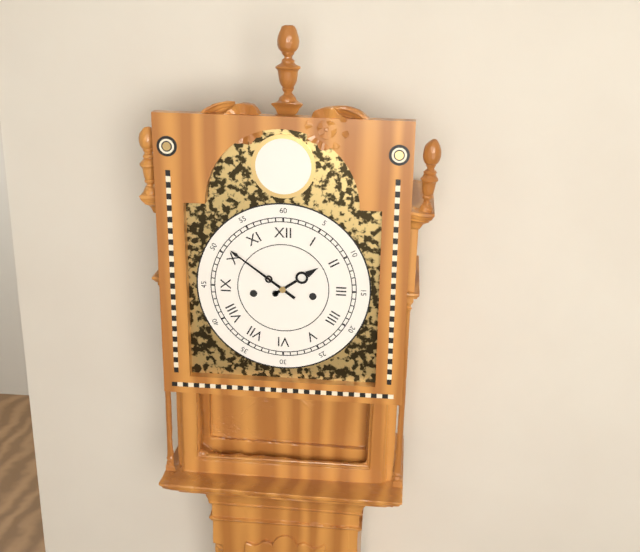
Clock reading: 1h51
